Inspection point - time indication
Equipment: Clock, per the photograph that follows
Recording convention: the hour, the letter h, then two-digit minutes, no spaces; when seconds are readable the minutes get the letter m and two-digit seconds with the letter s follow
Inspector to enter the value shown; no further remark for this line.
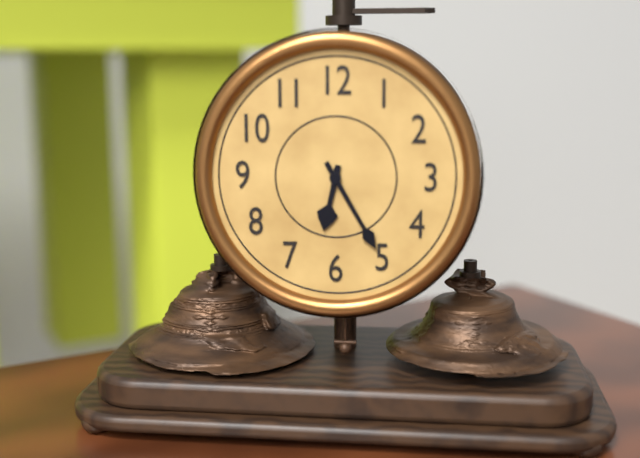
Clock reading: 6h25
